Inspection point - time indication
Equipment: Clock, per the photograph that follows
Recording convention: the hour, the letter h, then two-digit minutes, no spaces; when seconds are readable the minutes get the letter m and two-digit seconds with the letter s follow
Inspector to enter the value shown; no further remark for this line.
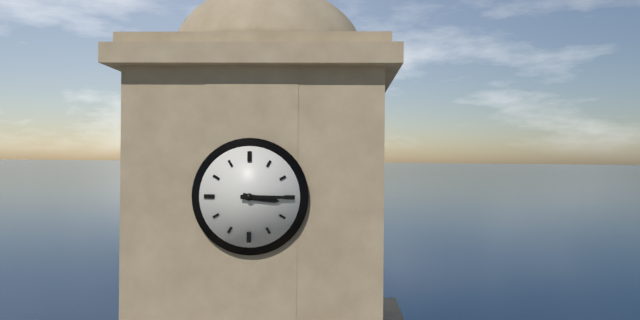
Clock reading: 3h15
